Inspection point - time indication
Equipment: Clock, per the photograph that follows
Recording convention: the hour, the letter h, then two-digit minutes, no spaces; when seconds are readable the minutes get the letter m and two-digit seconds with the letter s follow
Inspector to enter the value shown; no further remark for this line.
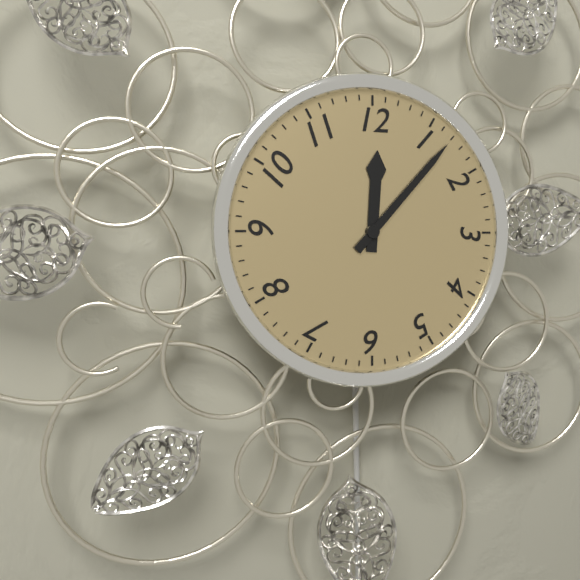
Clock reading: 12h07
